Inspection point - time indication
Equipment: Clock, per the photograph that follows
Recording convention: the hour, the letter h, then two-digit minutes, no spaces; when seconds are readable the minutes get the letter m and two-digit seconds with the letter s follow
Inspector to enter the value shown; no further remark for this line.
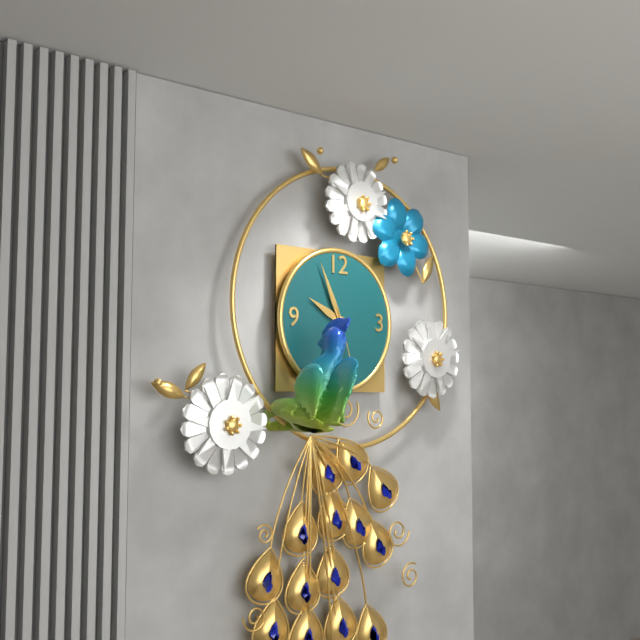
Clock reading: 9h56
